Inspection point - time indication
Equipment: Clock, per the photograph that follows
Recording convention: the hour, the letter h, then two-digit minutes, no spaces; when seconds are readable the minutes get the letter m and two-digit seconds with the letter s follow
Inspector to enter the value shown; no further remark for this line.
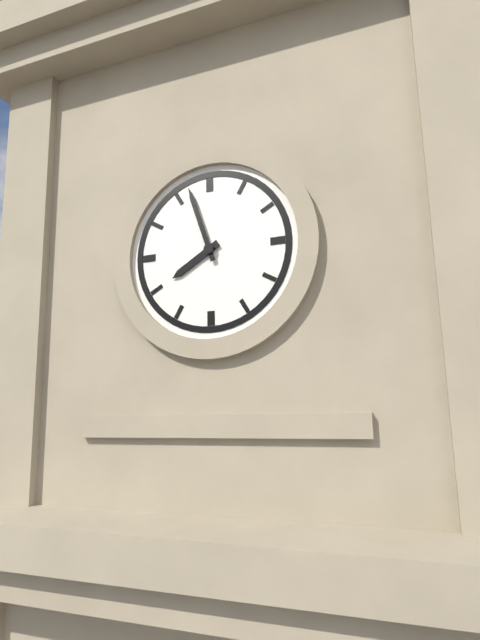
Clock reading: 7h57
